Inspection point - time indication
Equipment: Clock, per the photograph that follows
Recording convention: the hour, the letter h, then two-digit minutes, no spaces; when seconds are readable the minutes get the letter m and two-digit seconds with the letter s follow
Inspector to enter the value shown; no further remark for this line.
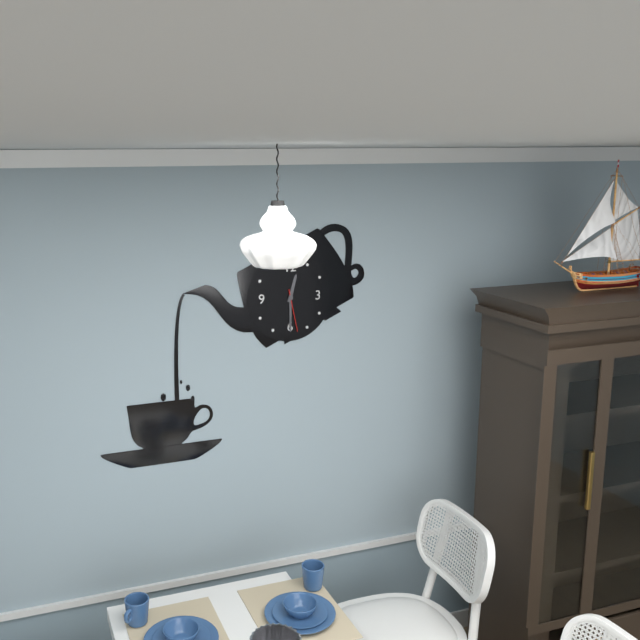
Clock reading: 12h30
